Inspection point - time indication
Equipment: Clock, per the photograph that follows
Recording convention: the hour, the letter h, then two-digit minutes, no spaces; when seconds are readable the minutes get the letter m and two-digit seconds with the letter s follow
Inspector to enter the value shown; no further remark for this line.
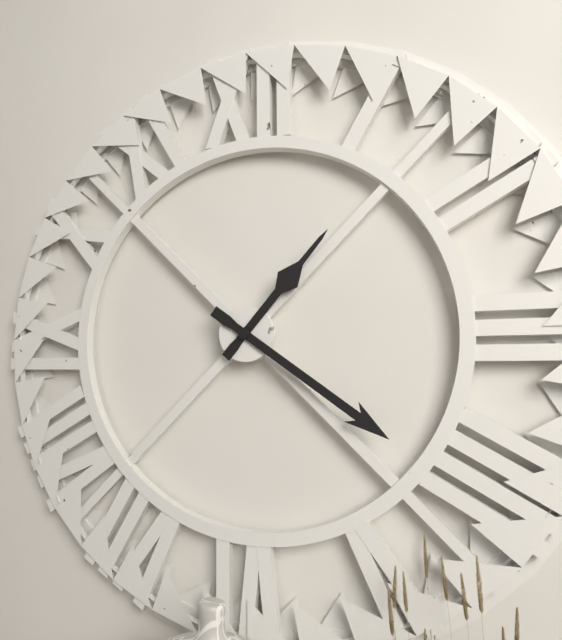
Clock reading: 1h21
